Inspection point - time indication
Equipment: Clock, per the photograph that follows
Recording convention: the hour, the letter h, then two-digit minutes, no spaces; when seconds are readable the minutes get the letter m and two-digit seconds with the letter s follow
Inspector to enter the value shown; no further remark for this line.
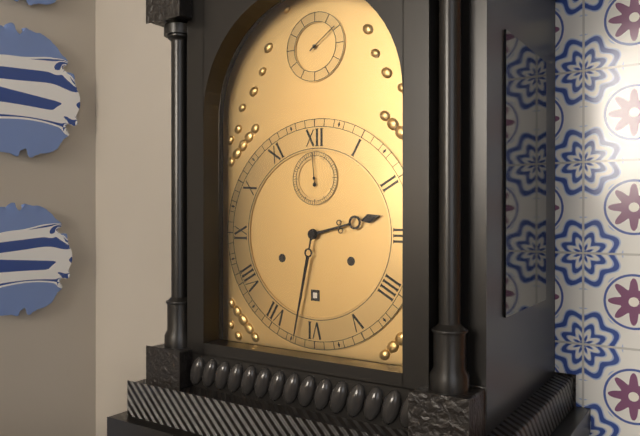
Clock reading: 2h32
